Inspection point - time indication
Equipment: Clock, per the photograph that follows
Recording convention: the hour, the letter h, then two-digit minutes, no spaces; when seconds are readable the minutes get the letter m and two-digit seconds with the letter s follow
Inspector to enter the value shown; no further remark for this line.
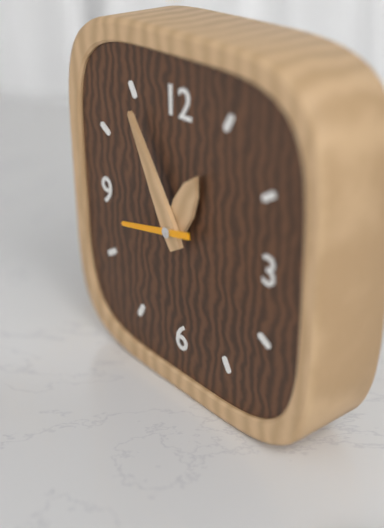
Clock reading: 12h55m43s
